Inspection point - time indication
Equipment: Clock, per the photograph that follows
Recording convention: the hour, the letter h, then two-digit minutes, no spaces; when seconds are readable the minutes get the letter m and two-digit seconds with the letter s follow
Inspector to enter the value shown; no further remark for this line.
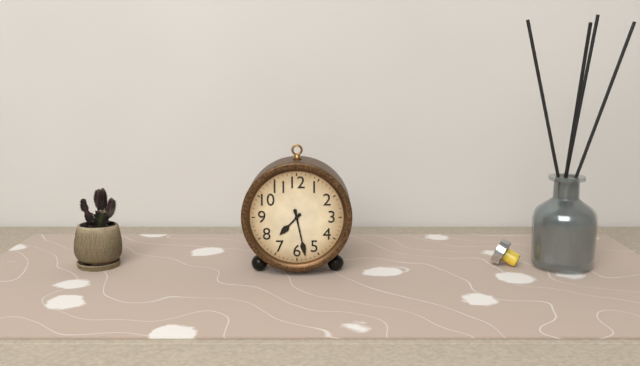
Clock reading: 7h28
